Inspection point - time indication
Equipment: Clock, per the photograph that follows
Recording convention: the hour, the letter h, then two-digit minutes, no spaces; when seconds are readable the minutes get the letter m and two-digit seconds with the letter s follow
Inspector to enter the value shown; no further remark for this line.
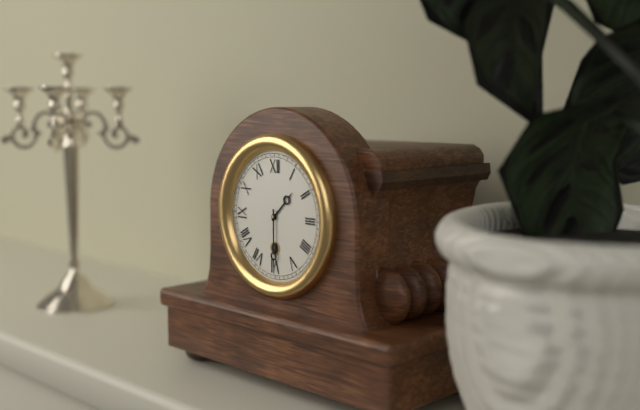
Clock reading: 1h30
